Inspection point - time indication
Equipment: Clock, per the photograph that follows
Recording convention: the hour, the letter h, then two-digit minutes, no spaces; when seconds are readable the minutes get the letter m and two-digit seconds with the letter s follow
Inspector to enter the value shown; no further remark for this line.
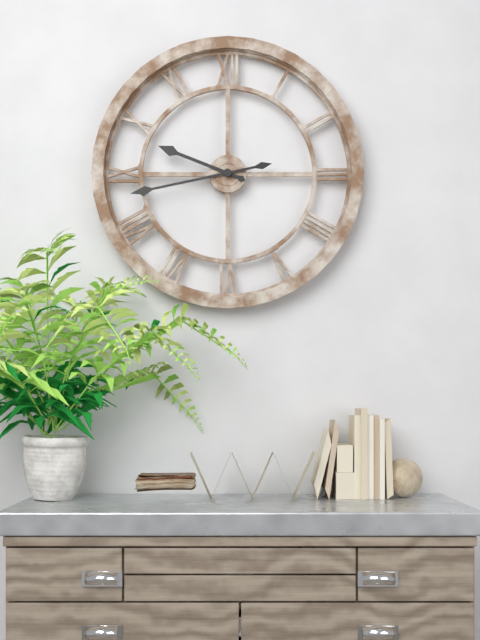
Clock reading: 9h43
